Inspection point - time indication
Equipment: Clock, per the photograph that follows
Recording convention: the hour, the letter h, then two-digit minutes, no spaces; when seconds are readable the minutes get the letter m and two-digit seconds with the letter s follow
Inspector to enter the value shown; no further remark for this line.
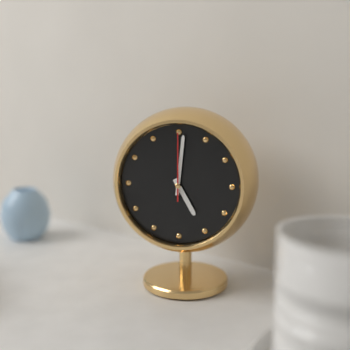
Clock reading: 5h01m00s
